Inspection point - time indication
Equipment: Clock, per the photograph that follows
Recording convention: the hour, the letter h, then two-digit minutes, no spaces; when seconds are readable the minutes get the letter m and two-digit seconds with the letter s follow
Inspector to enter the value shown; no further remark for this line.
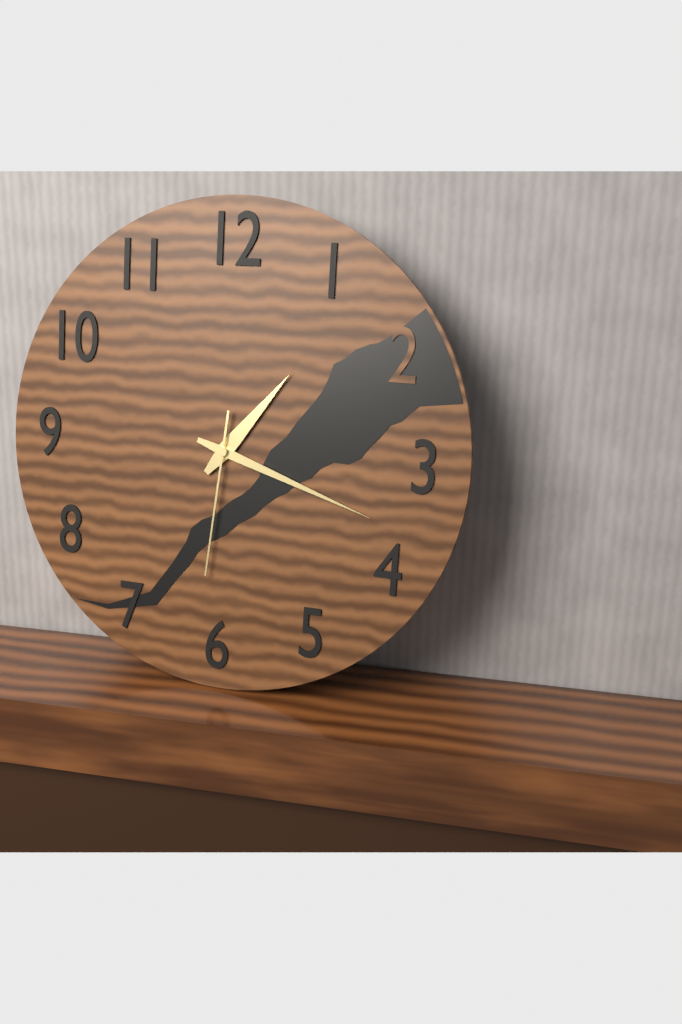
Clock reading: 1h18m31s
